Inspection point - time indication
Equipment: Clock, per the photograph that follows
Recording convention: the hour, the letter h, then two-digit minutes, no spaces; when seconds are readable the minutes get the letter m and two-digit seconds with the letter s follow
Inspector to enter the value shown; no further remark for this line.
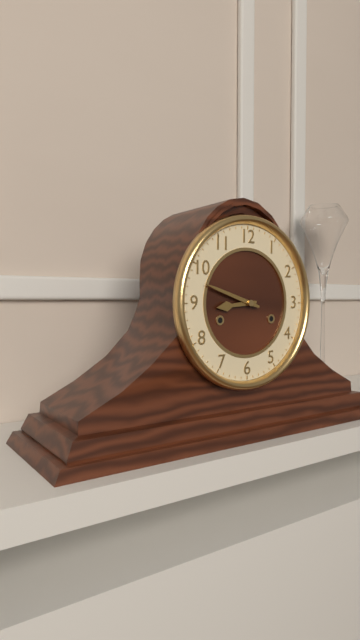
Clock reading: 8h48
